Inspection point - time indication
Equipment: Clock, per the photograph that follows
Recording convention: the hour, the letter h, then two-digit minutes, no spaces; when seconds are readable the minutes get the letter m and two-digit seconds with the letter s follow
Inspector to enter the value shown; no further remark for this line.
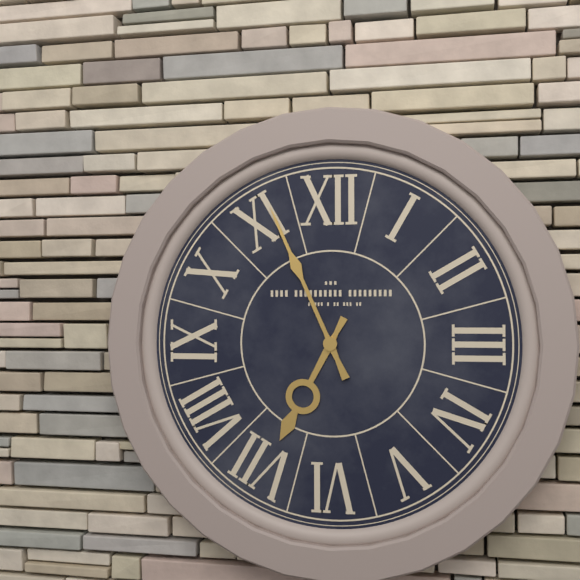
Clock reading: 6h56
